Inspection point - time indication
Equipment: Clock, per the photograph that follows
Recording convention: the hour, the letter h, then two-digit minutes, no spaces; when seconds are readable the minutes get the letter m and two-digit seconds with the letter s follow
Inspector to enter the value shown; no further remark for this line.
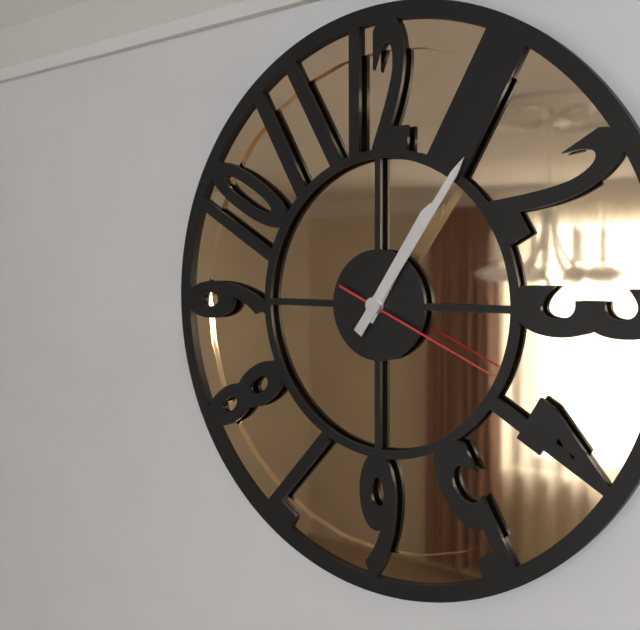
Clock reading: 1h06m19s
